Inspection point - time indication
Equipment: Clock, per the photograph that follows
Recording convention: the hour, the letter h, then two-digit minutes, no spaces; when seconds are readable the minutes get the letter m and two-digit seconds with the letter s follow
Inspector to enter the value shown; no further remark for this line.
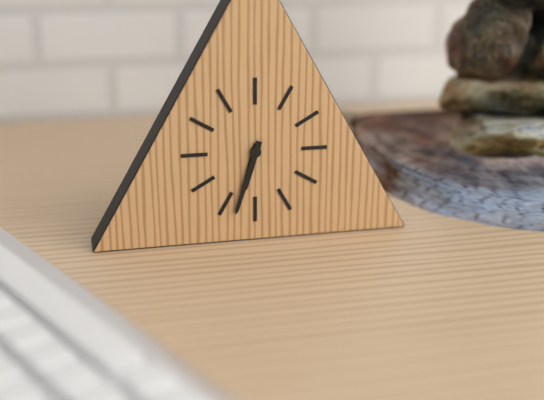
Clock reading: 6h33
